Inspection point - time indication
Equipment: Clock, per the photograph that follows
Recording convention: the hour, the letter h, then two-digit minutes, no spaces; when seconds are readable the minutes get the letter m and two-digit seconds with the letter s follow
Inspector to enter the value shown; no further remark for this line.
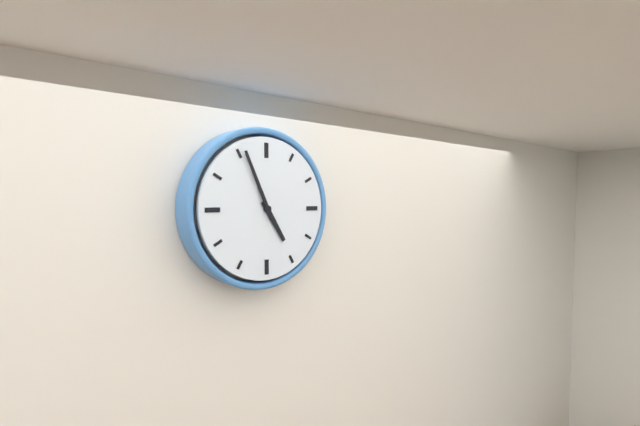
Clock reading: 4h56
